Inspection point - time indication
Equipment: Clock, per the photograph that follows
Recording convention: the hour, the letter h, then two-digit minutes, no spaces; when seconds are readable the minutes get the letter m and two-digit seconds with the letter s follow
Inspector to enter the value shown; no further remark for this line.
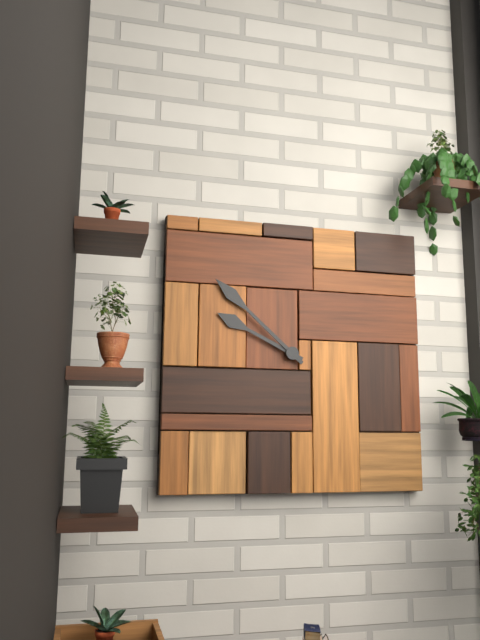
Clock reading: 9h52
